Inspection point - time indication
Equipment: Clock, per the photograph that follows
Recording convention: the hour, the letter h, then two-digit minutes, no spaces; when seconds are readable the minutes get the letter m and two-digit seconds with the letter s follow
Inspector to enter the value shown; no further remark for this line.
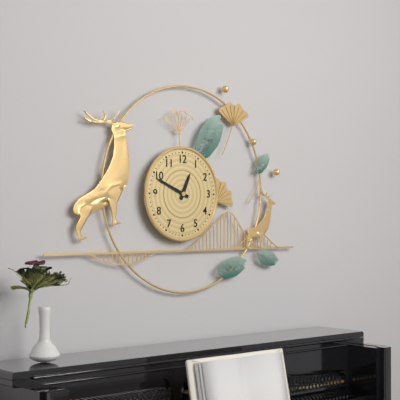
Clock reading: 12h49
